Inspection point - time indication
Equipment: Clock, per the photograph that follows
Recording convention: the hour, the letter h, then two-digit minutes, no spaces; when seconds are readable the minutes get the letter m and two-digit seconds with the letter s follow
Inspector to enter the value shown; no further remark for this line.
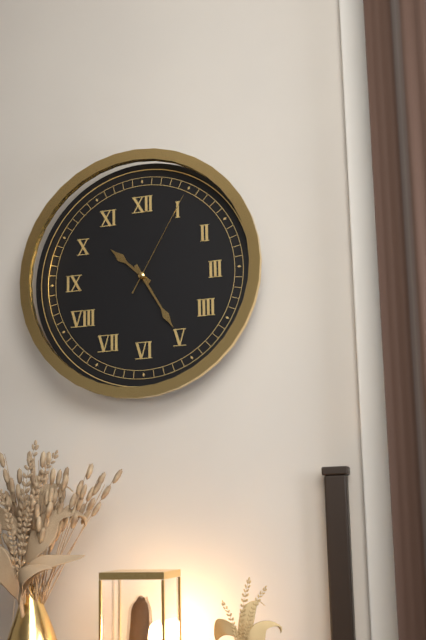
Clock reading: 10h25m05s
